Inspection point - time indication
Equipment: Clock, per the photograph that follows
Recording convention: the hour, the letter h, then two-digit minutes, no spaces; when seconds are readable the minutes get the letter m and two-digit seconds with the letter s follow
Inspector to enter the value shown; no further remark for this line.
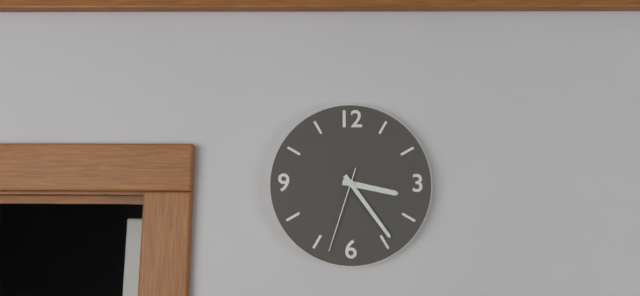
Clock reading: 3h24m33s
